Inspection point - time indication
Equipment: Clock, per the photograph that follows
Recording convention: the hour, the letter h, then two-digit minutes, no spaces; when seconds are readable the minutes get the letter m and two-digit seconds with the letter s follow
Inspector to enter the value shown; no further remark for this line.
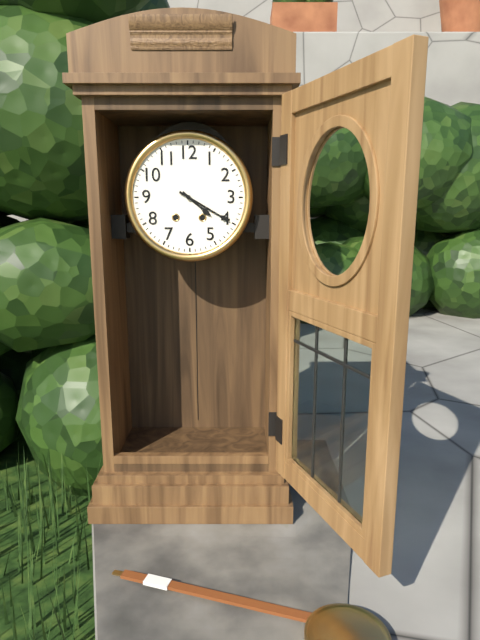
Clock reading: 4h20
